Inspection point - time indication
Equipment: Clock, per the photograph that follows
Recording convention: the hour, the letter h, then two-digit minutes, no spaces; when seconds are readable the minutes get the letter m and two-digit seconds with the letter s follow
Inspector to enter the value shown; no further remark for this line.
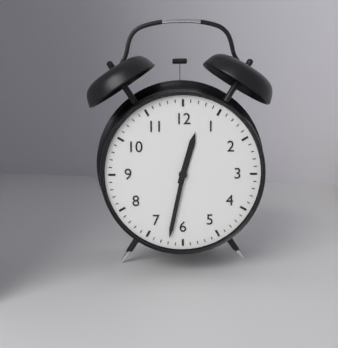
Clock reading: 12h32
